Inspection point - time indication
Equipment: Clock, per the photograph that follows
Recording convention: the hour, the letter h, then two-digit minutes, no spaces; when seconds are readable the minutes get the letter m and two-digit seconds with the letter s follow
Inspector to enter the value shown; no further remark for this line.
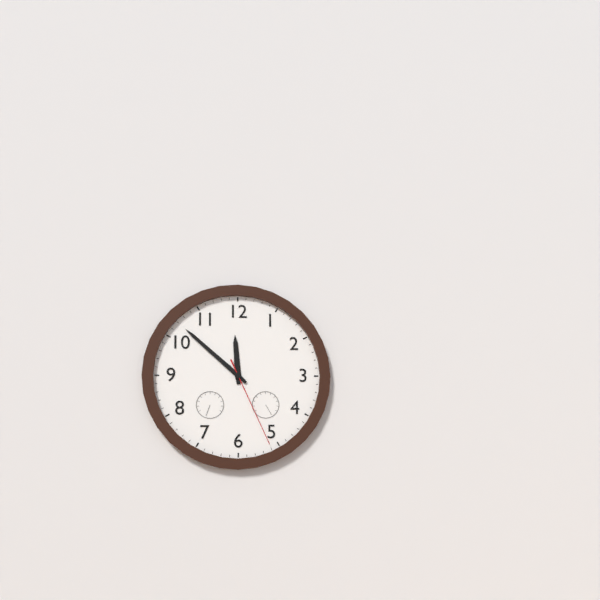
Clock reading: 11h52m26s
